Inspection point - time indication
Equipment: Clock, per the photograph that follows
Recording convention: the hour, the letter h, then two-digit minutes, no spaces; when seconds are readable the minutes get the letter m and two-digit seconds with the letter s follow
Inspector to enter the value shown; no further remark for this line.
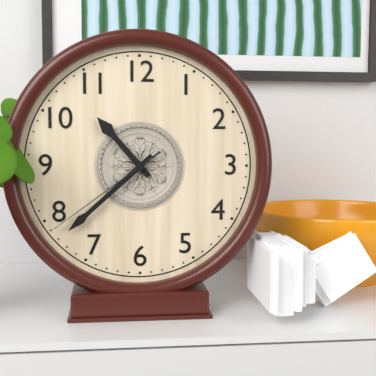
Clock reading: 10h38m39s
